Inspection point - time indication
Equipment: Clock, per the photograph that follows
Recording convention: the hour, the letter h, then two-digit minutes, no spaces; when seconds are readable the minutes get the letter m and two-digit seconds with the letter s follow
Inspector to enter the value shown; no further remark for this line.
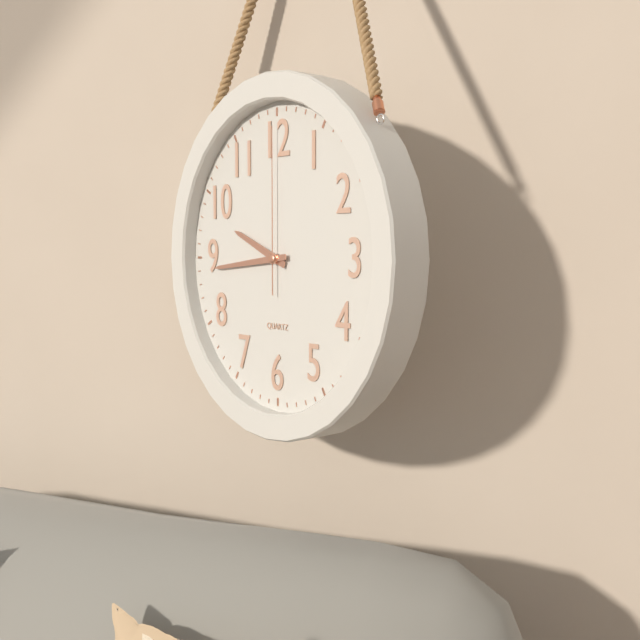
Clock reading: 9h44m00s
